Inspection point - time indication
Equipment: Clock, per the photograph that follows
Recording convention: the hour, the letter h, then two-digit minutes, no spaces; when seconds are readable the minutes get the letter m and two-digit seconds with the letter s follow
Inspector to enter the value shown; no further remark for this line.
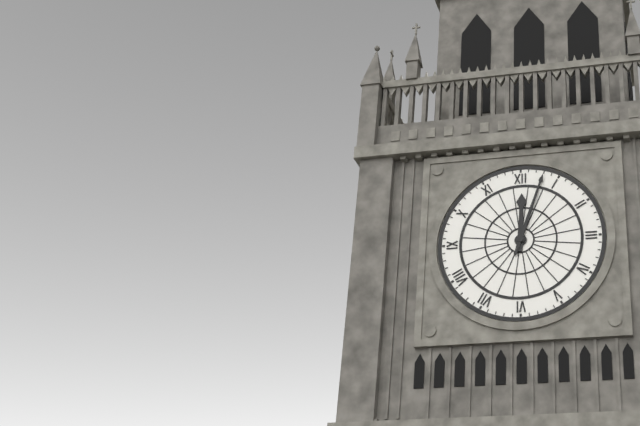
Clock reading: 12h03
